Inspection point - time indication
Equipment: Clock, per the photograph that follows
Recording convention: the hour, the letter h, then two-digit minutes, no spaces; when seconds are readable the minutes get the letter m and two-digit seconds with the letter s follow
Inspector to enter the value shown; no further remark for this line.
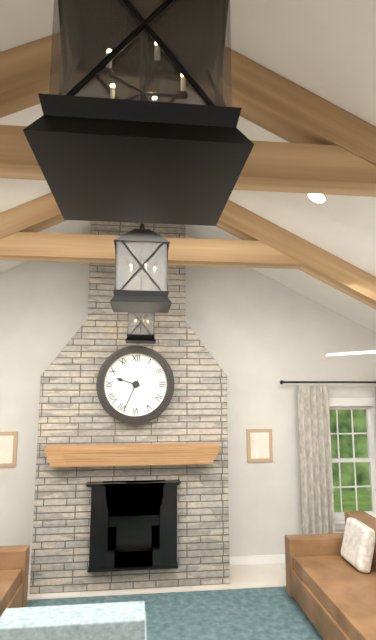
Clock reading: 9h34
